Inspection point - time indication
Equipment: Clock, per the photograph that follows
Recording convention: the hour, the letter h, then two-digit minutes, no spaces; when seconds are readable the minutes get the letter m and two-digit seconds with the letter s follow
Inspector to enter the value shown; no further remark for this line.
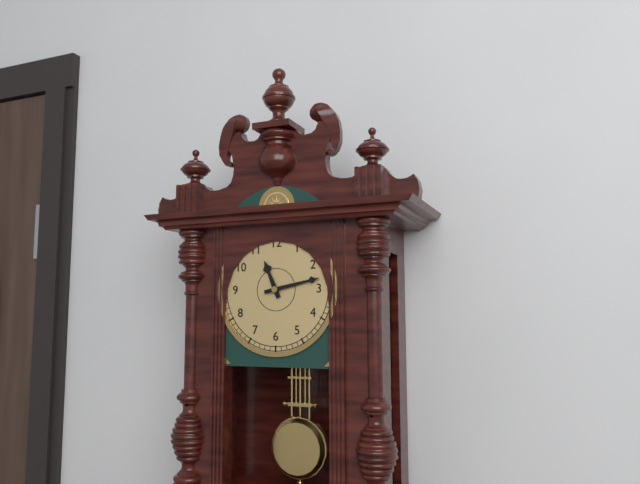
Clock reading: 11h13
